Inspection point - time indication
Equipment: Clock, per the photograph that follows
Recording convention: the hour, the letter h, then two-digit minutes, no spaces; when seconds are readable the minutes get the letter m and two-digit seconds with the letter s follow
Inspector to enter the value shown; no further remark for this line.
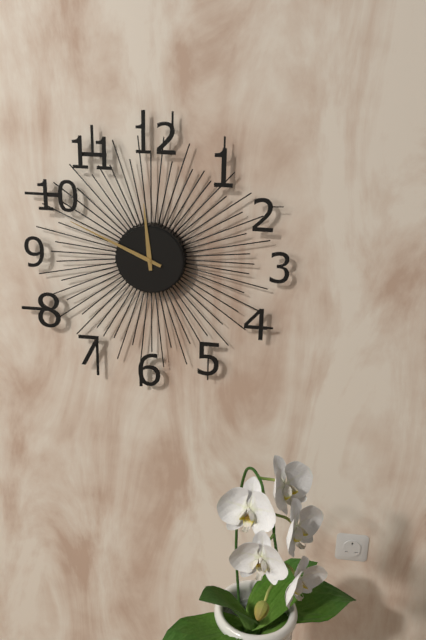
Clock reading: 11h49
